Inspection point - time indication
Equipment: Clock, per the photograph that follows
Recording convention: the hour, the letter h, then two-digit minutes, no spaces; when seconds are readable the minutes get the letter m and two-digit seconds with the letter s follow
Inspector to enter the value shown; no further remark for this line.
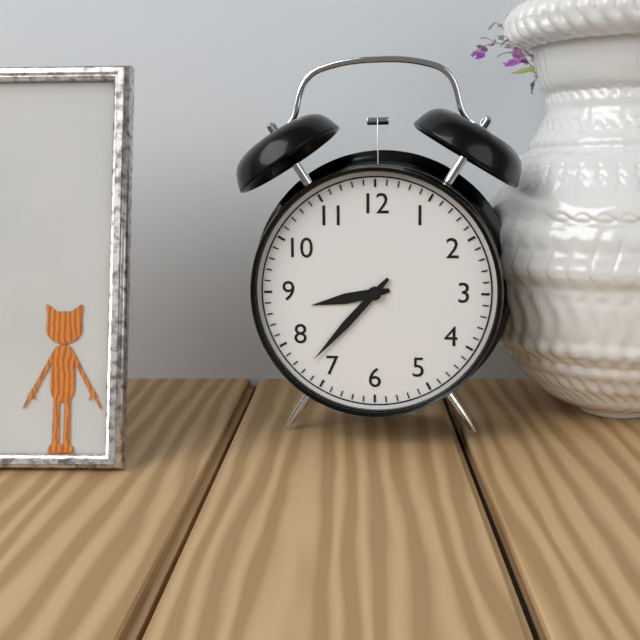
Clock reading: 8h37
